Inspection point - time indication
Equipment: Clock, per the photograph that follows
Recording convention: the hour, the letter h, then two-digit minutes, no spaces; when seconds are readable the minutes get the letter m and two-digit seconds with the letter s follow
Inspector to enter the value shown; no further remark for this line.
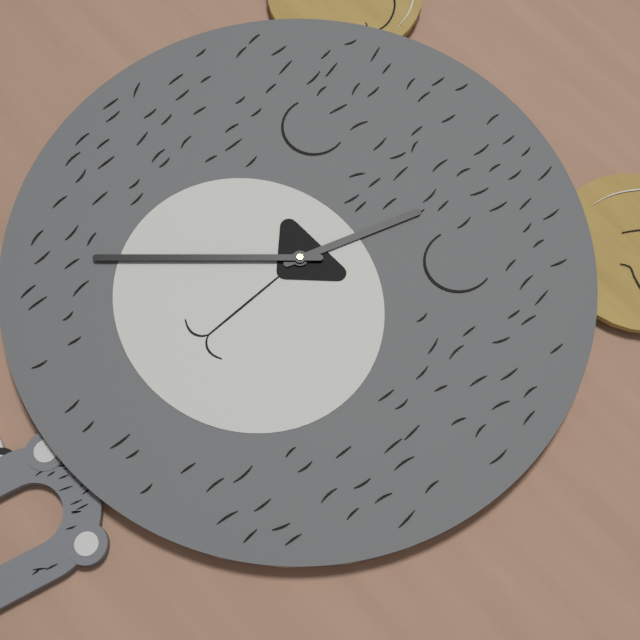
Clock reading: 12h37
